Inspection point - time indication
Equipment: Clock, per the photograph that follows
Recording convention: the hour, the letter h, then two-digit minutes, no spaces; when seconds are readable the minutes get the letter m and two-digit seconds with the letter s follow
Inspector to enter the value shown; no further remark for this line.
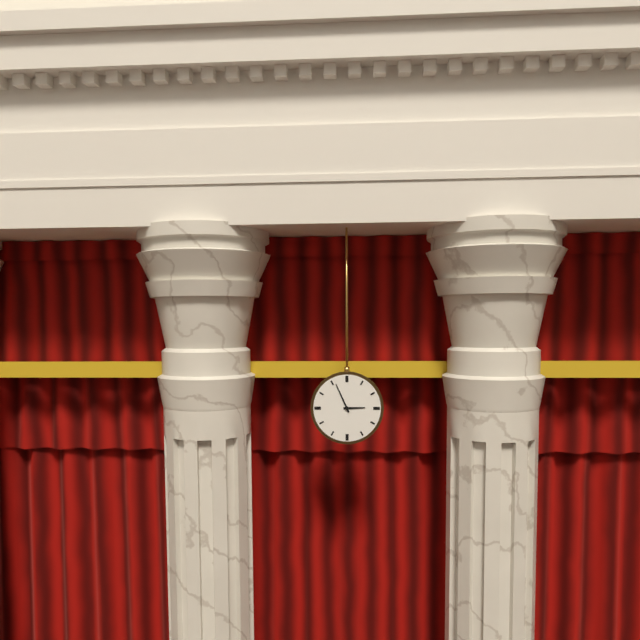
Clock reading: 2h56
